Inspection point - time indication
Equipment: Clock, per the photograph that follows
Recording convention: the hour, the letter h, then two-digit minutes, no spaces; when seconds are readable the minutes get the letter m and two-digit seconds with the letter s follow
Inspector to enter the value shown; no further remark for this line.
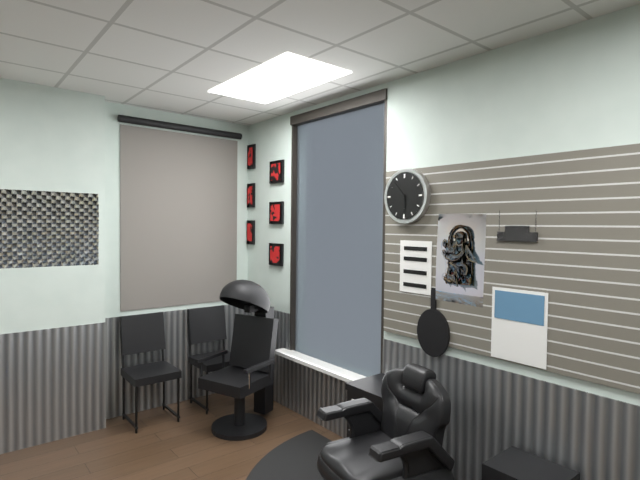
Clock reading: 5h53
